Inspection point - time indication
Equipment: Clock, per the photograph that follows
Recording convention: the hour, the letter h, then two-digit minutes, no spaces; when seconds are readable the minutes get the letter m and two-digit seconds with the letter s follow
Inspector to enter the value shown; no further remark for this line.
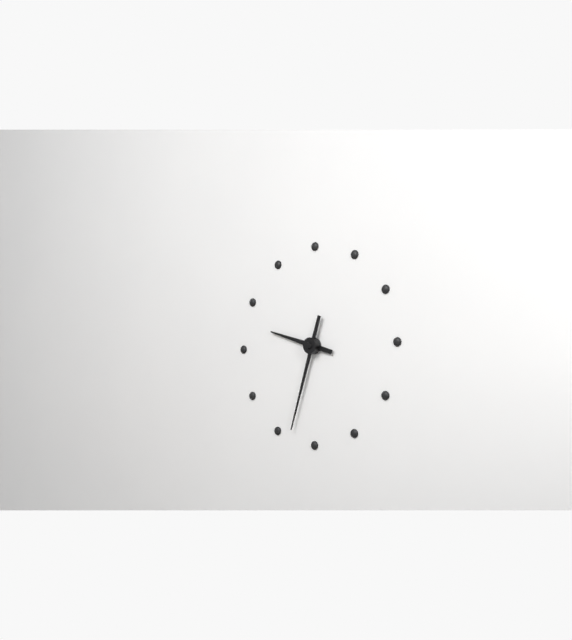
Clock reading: 9h33
